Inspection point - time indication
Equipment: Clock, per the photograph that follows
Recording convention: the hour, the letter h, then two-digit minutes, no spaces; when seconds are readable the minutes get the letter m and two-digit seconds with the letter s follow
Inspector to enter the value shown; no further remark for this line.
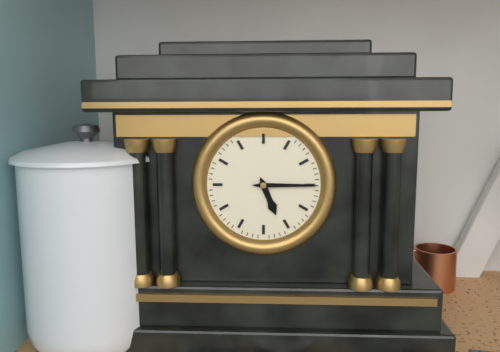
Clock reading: 5h15
